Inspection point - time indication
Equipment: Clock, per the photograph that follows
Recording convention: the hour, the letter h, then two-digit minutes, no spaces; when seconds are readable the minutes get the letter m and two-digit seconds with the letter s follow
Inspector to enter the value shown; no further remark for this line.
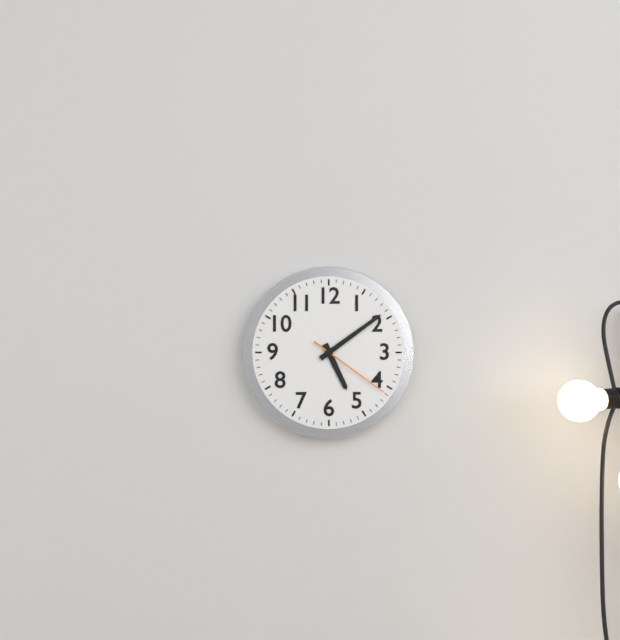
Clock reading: 5h09m21s
